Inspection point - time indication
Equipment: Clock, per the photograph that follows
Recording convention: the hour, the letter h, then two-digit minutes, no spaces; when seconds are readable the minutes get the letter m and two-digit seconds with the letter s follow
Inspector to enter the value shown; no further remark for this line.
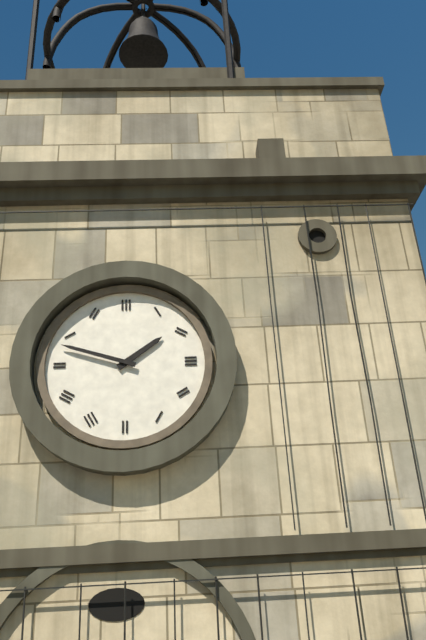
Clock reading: 1h48
